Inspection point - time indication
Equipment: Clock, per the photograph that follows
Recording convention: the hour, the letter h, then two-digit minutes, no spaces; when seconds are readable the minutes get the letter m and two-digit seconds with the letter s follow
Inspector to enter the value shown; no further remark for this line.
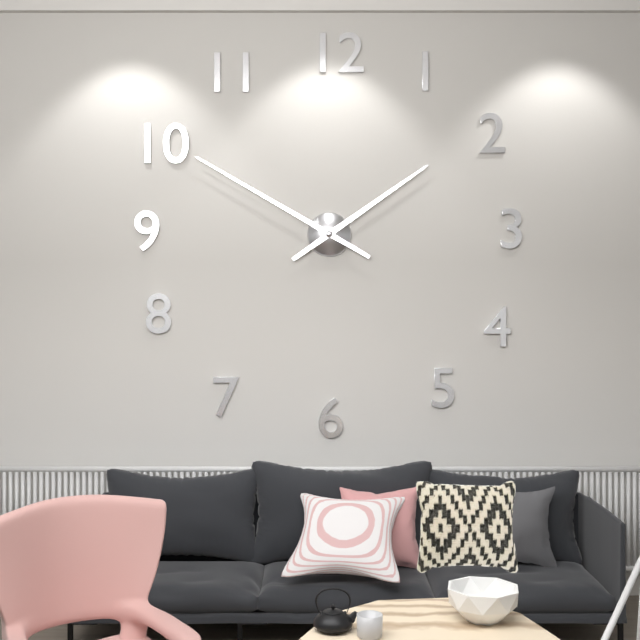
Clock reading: 1h50
